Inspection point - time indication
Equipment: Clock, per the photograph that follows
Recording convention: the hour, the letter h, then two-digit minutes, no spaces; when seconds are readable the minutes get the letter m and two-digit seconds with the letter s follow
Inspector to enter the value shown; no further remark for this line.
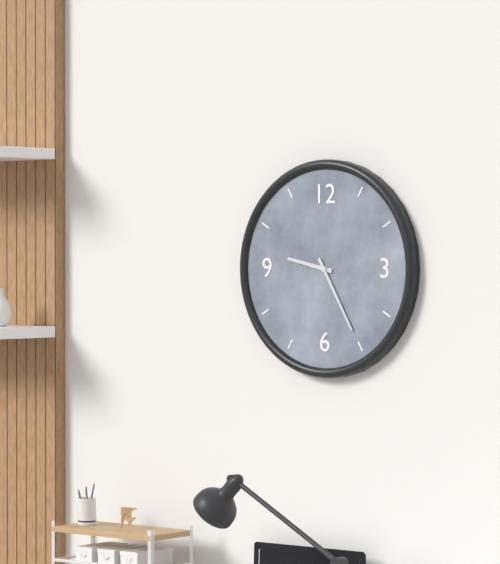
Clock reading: 9h25
